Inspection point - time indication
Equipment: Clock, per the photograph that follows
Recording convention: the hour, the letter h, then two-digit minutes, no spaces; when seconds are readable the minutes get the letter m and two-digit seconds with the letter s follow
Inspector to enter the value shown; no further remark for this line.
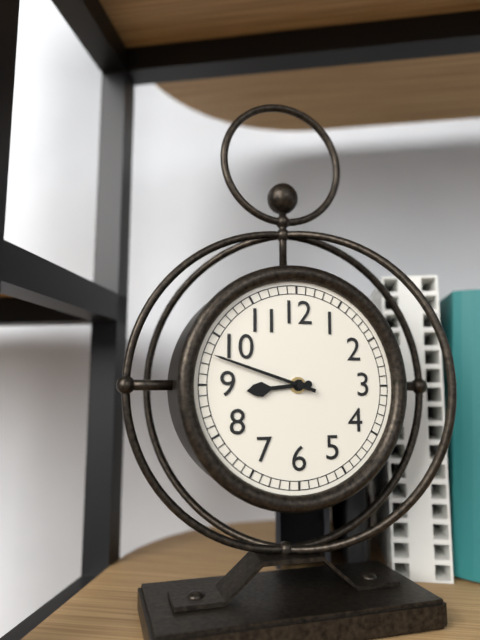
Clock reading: 8h48
